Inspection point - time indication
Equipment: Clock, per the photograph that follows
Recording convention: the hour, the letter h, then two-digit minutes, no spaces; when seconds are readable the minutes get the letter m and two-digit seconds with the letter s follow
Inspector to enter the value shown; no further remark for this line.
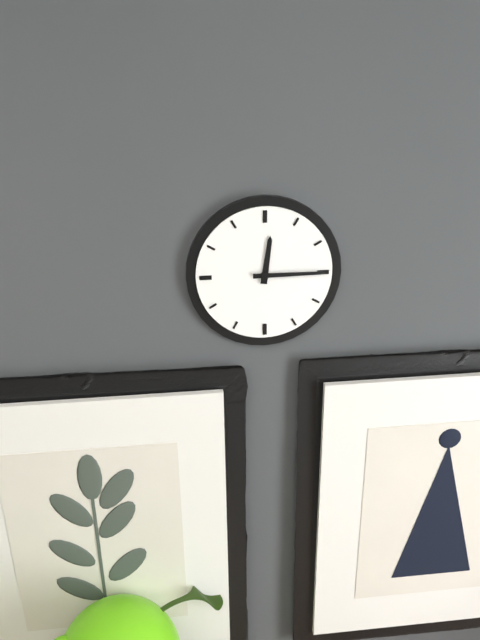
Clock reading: 12h15
